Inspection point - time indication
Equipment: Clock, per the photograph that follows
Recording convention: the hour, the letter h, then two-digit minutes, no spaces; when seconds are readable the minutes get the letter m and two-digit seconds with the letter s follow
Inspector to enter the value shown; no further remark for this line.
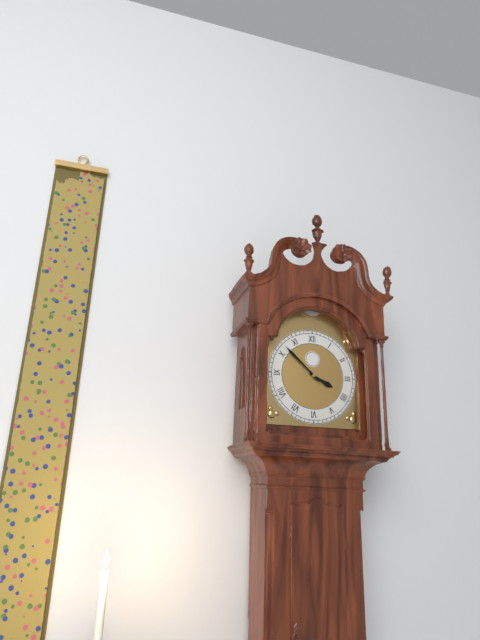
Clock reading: 3h52
